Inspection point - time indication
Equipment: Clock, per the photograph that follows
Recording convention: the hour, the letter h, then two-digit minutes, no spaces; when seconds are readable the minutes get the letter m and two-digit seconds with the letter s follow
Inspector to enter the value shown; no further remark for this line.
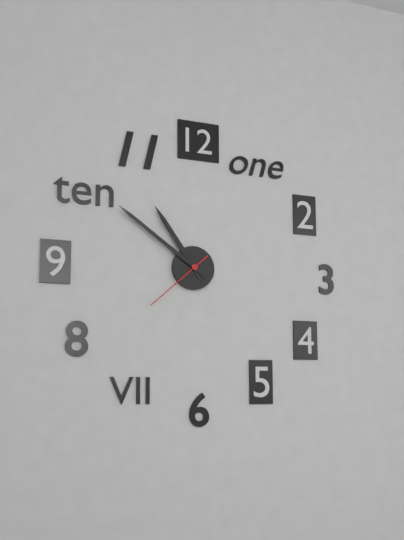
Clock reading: 10h51m38s
